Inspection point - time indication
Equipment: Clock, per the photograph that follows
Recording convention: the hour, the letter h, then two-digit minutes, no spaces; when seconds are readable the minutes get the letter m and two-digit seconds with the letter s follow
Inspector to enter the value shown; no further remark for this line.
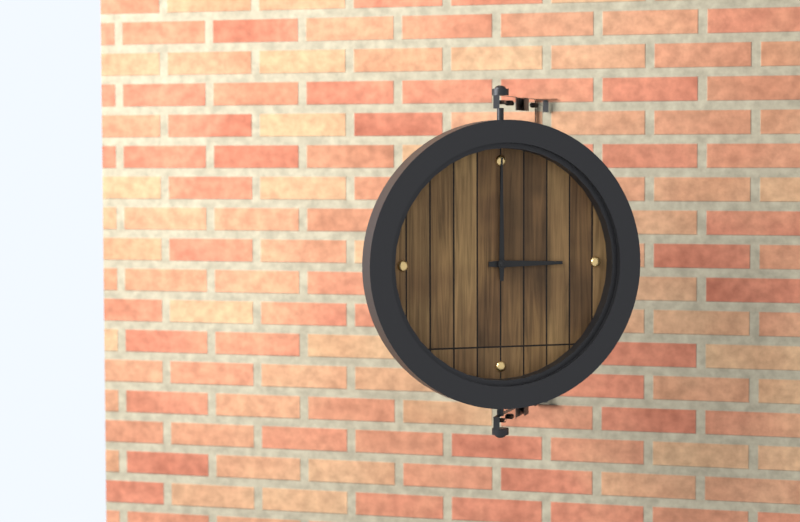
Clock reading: 3h00
